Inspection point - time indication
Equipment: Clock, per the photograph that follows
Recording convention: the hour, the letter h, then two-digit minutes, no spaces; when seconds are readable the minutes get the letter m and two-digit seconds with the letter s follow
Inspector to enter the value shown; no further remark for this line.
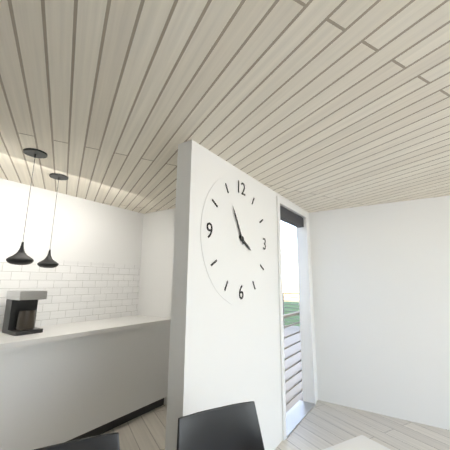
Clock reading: 3h55
